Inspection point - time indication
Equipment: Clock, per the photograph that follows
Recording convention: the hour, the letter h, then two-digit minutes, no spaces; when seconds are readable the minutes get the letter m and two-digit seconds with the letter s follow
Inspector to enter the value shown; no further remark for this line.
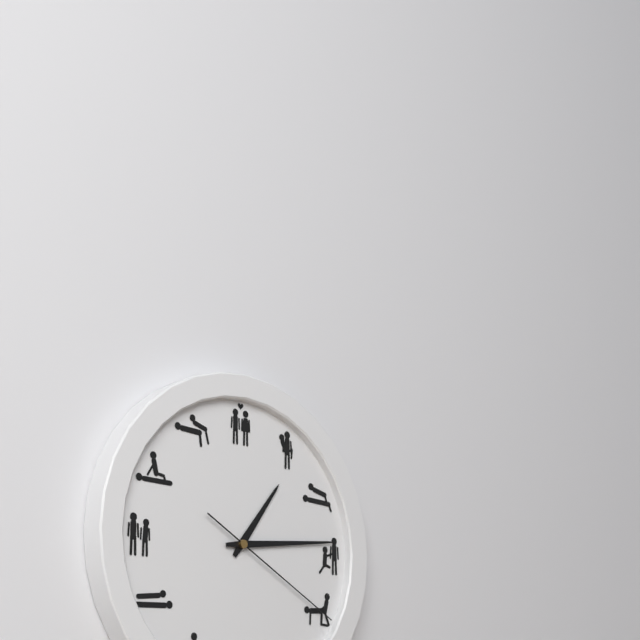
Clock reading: 1h14m20s
